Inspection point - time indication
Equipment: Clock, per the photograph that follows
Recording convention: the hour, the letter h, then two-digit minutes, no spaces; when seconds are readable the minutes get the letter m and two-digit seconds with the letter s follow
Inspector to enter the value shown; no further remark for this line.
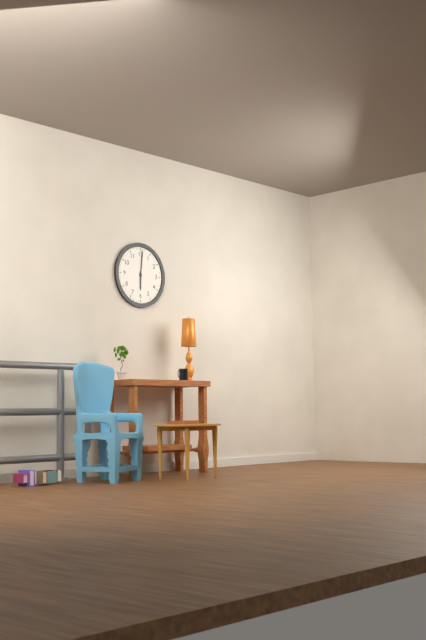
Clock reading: 6h01
